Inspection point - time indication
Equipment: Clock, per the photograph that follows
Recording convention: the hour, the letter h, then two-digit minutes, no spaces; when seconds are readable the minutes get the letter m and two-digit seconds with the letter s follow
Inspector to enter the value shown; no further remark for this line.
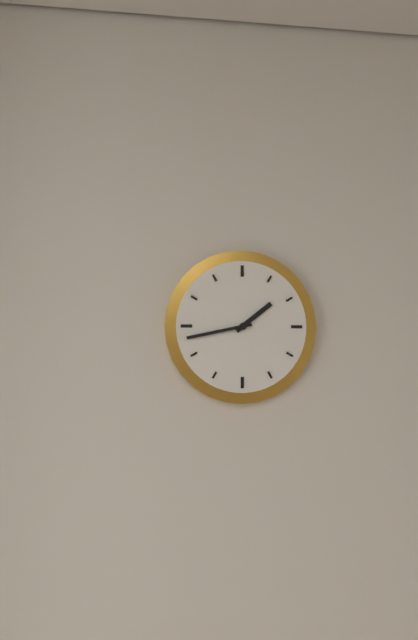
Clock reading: 1h43
